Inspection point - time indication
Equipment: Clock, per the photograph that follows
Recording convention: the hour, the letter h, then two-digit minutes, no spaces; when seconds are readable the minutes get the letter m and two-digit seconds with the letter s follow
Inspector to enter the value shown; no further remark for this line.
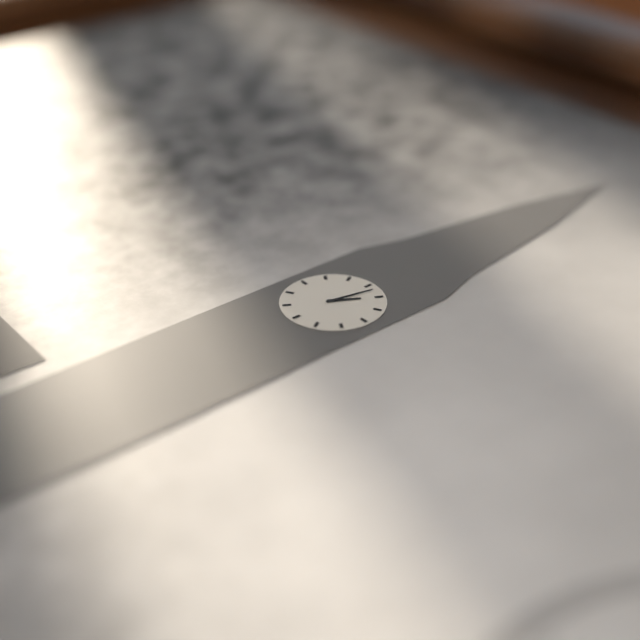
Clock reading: 1h02
